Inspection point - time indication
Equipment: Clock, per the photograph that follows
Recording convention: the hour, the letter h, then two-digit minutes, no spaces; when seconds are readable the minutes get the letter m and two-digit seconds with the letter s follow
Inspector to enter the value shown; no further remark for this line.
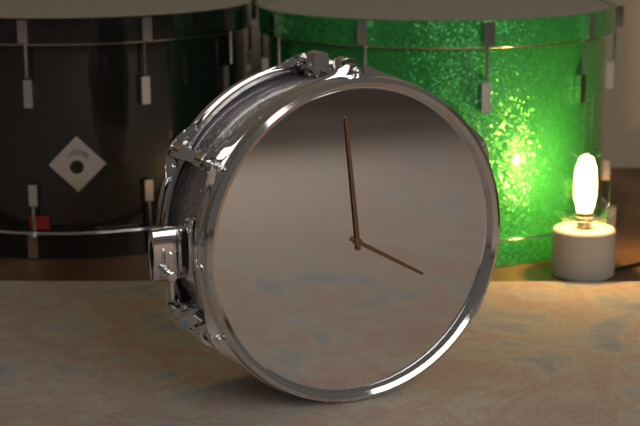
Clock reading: 3h59
